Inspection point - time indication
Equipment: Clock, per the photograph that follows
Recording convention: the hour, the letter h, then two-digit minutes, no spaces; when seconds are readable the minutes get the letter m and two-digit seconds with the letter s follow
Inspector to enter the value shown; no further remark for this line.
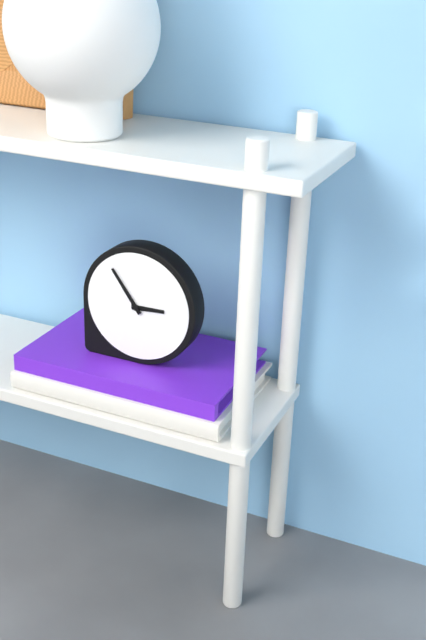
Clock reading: 2h54
